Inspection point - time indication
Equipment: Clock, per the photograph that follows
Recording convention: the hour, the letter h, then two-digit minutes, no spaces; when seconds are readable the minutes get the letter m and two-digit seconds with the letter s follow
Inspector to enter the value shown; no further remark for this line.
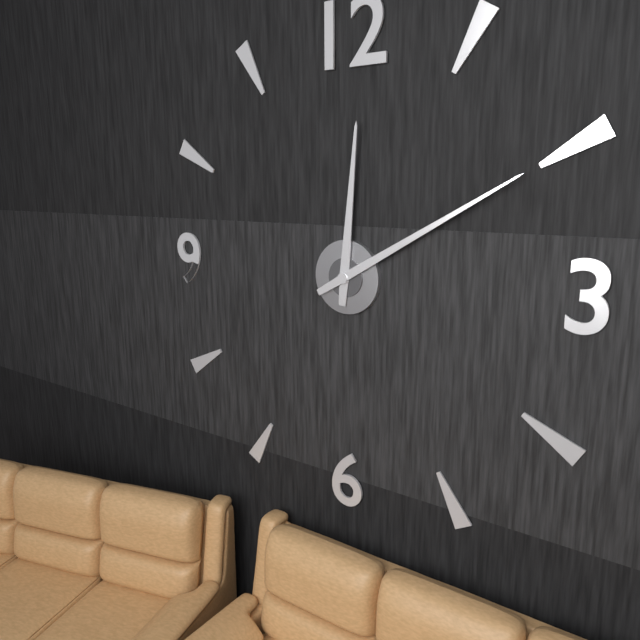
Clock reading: 12h10
